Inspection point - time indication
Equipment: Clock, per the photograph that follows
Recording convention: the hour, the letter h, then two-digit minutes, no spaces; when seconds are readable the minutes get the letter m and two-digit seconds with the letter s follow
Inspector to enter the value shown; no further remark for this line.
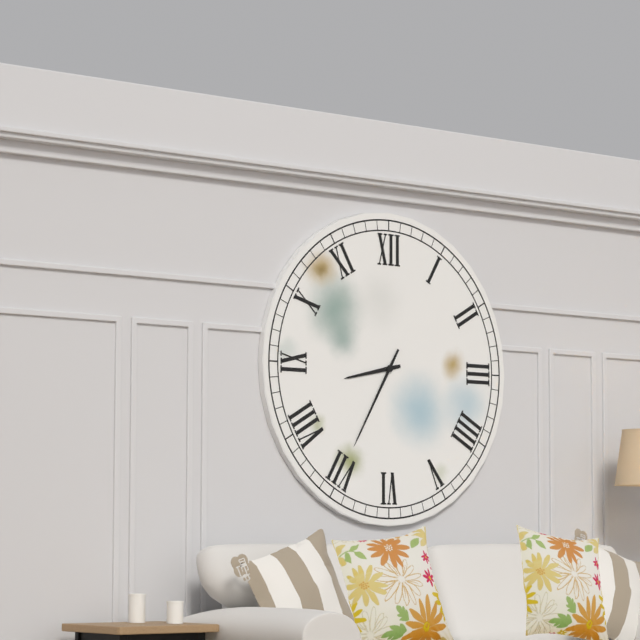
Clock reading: 8h35
